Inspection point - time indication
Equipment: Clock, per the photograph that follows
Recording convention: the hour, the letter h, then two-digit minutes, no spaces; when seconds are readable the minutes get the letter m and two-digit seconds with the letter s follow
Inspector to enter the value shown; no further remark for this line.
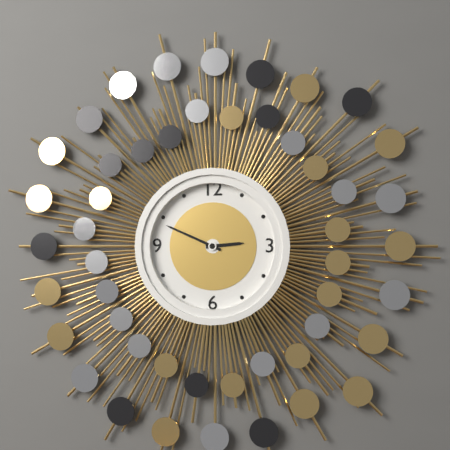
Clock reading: 2h49
